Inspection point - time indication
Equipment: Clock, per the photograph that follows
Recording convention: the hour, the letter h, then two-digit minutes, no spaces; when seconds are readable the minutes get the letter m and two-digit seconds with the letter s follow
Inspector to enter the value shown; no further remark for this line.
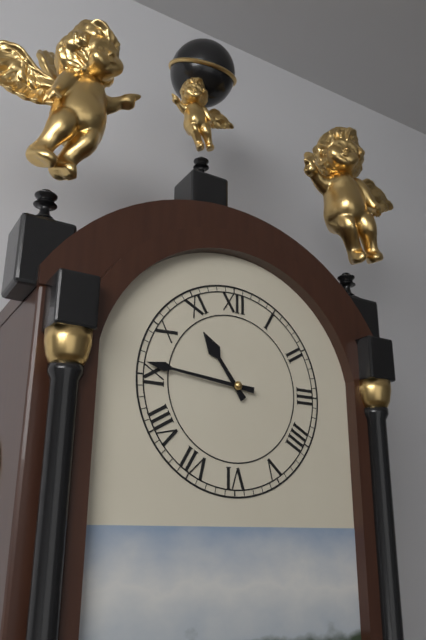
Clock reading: 10h46
